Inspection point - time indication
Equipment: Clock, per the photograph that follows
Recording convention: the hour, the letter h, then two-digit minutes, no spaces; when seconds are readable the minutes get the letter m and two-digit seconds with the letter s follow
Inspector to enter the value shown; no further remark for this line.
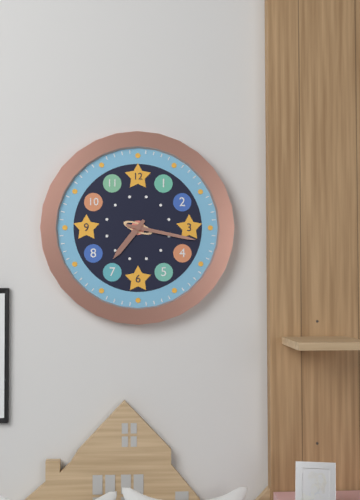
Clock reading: 7h17
